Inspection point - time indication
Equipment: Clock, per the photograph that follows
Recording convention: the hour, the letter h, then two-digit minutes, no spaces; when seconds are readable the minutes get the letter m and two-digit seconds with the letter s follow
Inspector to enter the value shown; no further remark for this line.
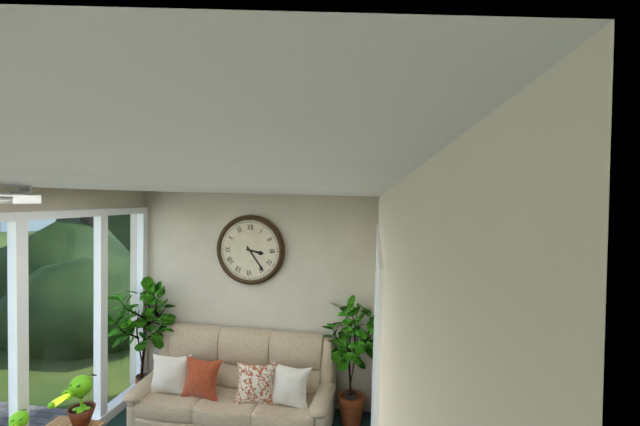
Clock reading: 3h24
